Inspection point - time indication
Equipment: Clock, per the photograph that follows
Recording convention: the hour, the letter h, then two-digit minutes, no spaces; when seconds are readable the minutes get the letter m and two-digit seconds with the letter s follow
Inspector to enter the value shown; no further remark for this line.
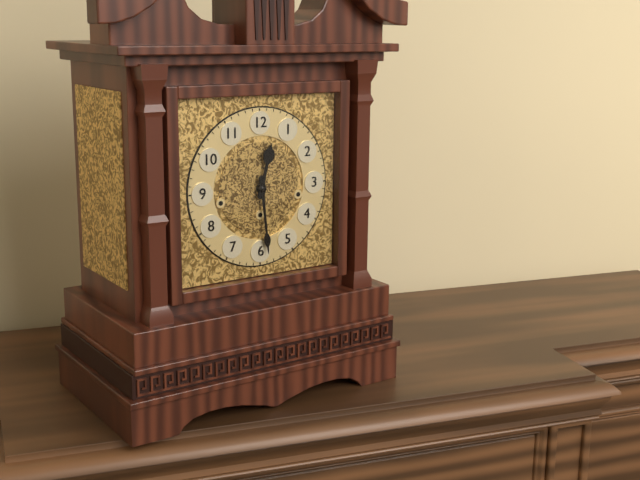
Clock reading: 12h29
